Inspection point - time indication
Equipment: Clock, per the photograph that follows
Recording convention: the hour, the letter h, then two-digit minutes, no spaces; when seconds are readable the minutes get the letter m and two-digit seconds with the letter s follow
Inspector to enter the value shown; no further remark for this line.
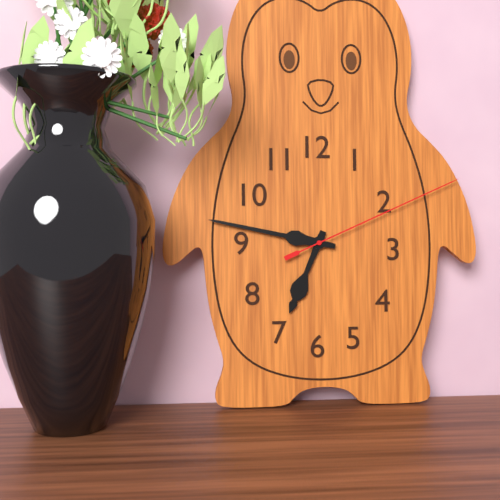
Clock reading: 6h47m11s
